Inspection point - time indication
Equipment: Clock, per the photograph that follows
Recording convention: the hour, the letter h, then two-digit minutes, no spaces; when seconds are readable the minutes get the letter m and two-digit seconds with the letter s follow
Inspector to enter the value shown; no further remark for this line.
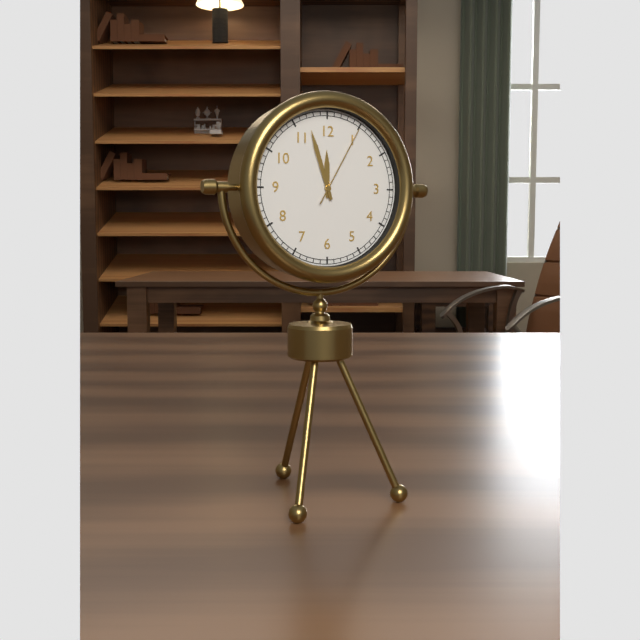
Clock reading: 11h57m05s
